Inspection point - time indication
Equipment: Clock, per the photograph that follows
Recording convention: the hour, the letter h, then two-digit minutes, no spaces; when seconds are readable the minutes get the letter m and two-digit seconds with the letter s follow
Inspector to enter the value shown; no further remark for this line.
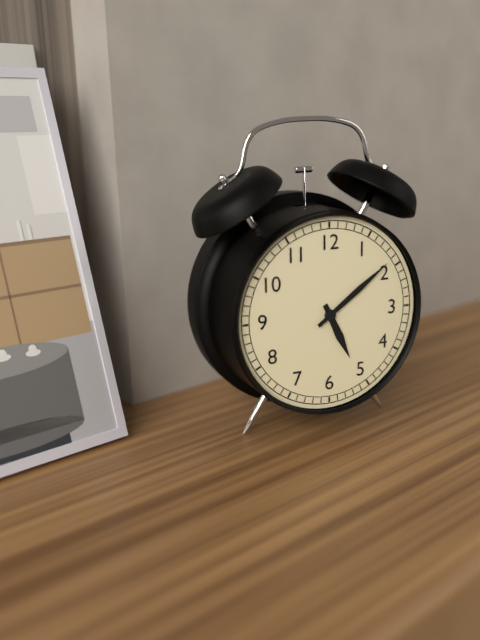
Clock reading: 5h09
